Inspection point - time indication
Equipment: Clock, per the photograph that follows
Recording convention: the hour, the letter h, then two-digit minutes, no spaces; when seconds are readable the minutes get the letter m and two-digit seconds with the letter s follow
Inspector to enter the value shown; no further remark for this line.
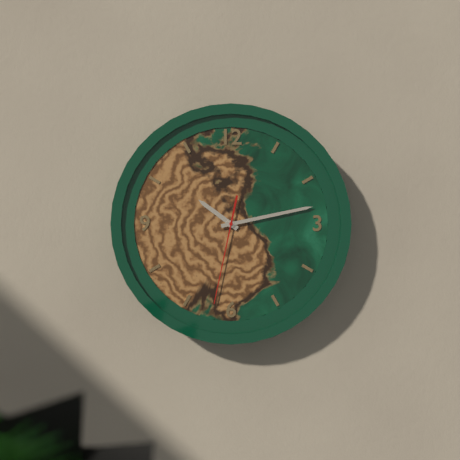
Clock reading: 10h13m32s
